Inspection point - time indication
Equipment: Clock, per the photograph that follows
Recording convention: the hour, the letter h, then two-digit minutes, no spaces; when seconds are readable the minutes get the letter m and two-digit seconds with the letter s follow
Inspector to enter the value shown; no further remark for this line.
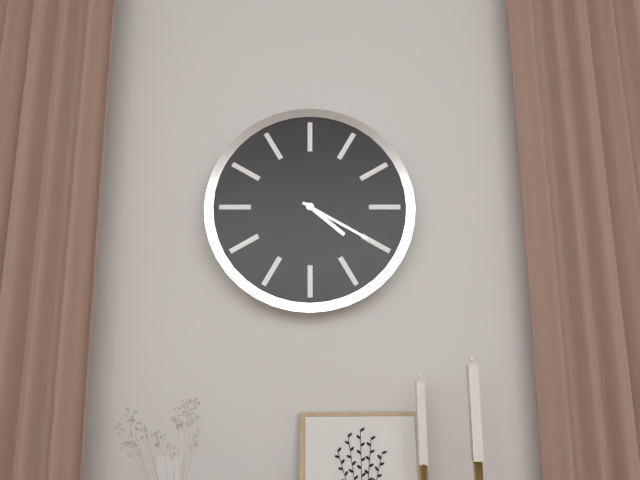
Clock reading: 4h20
